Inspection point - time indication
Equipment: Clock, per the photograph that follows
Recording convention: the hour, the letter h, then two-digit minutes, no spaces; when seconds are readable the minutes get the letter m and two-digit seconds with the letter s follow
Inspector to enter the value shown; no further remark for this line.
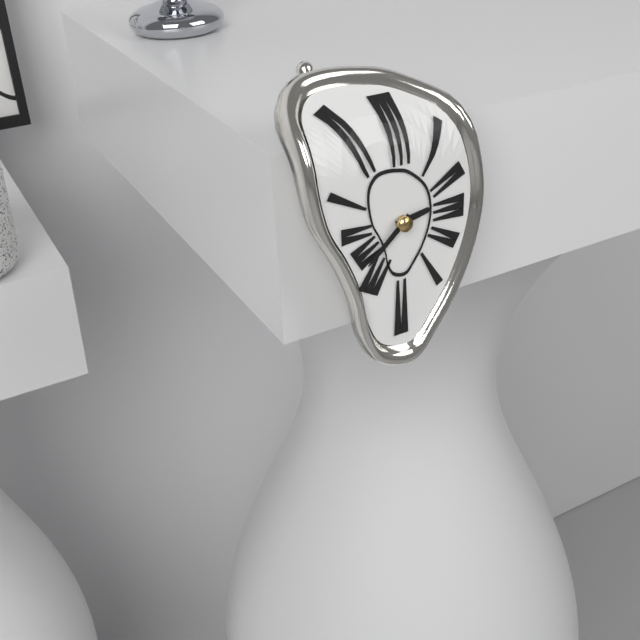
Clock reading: 2h38
